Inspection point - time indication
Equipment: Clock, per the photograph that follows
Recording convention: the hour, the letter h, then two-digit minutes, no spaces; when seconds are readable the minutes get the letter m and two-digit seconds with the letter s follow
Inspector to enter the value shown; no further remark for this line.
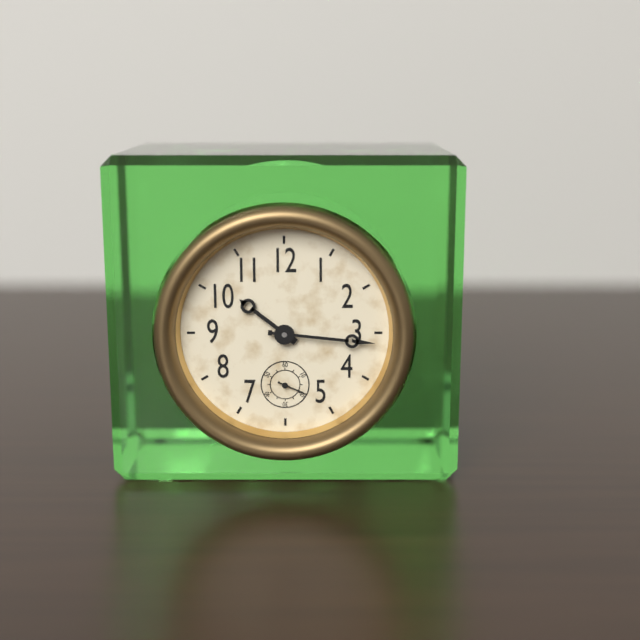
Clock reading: 10h16
